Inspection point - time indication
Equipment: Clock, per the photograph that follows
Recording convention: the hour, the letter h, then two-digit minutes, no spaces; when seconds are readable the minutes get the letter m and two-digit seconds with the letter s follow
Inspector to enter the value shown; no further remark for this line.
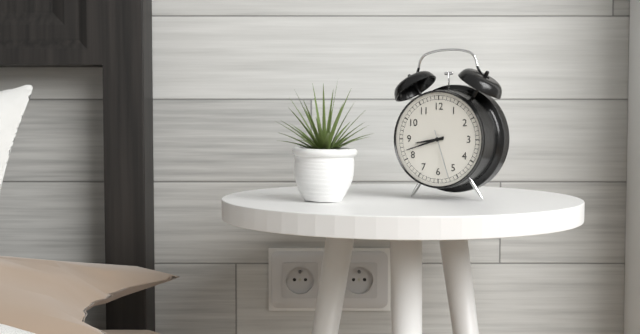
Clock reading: 8h42m27s
